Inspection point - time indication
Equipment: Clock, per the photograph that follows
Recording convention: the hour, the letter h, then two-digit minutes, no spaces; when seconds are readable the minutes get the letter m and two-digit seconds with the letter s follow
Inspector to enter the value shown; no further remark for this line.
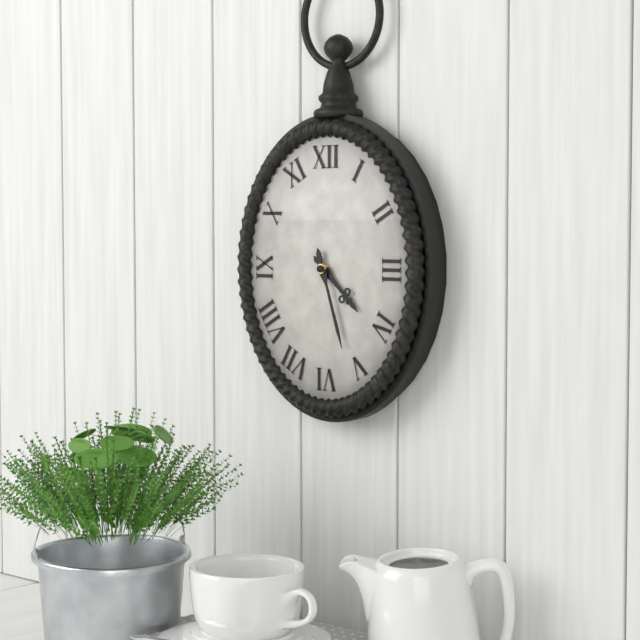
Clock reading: 4h27
